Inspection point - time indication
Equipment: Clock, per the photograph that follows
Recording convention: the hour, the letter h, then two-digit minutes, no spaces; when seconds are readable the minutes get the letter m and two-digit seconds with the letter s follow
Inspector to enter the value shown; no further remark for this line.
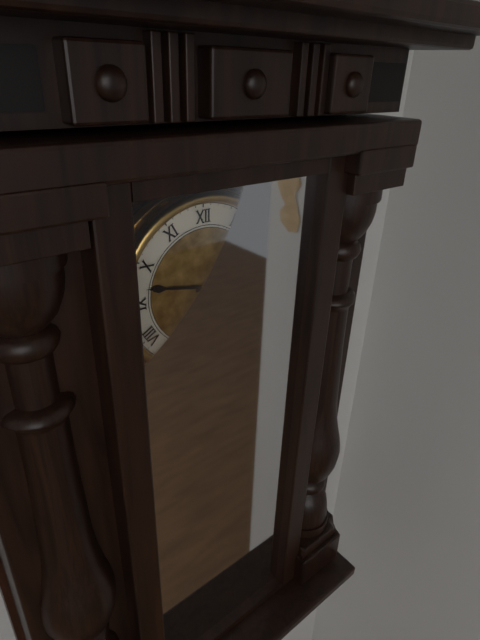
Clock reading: 2h47
